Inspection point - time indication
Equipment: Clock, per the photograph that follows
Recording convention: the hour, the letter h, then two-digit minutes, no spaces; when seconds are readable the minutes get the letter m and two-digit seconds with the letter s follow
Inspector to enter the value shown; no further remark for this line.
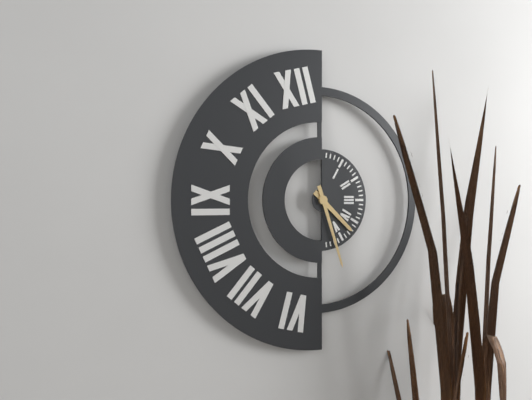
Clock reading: 4h27
